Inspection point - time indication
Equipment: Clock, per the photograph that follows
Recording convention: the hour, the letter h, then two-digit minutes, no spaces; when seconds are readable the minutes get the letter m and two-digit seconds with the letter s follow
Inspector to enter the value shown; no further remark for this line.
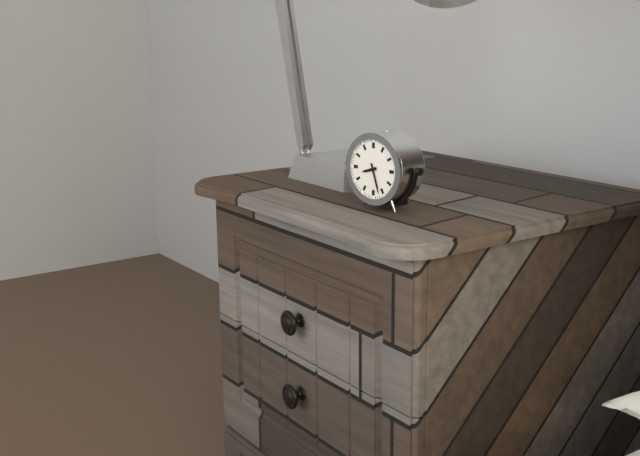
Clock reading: 8h27
